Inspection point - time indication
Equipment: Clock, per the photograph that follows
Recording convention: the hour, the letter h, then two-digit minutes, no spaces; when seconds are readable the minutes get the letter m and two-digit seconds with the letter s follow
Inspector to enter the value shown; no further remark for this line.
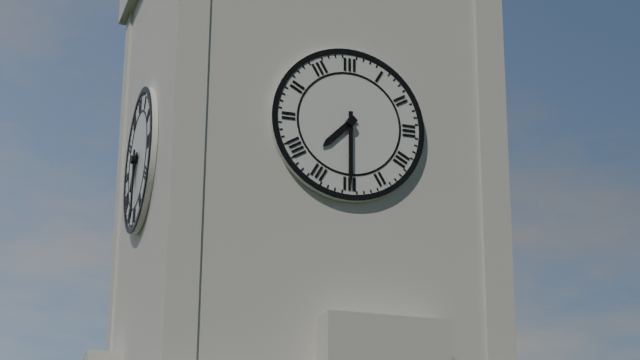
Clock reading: 7h30
